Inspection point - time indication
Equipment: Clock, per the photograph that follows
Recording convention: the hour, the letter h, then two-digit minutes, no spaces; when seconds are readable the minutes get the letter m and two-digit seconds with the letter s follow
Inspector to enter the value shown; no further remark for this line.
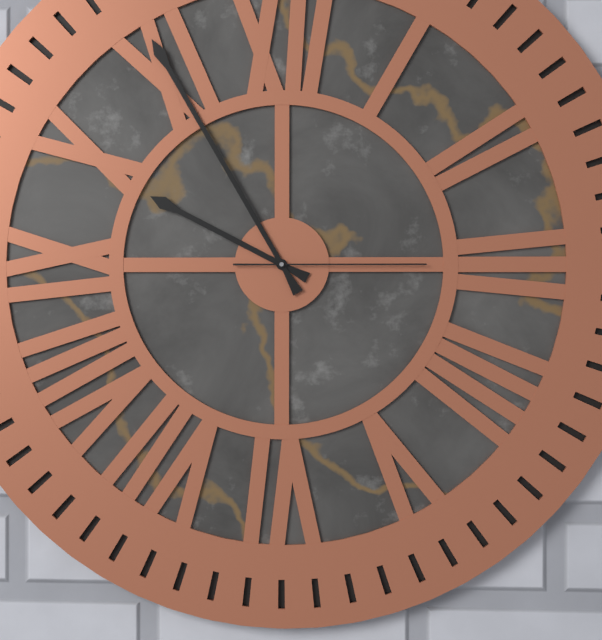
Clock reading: 9h55m15s
